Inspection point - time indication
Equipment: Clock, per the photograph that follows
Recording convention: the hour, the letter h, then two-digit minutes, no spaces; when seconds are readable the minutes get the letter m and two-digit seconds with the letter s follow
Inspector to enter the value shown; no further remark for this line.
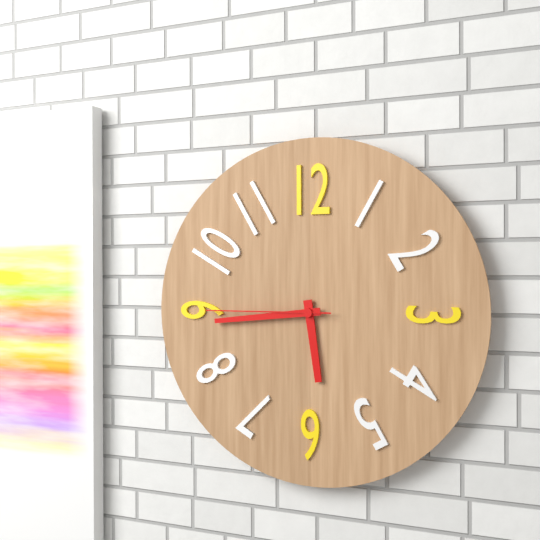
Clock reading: 5h44m45s
